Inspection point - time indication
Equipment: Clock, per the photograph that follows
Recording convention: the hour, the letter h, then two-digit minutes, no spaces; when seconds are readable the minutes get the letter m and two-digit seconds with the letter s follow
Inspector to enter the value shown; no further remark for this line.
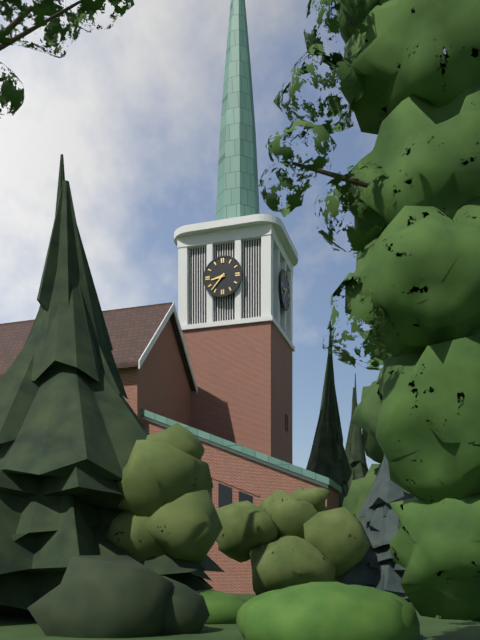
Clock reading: 8h37
